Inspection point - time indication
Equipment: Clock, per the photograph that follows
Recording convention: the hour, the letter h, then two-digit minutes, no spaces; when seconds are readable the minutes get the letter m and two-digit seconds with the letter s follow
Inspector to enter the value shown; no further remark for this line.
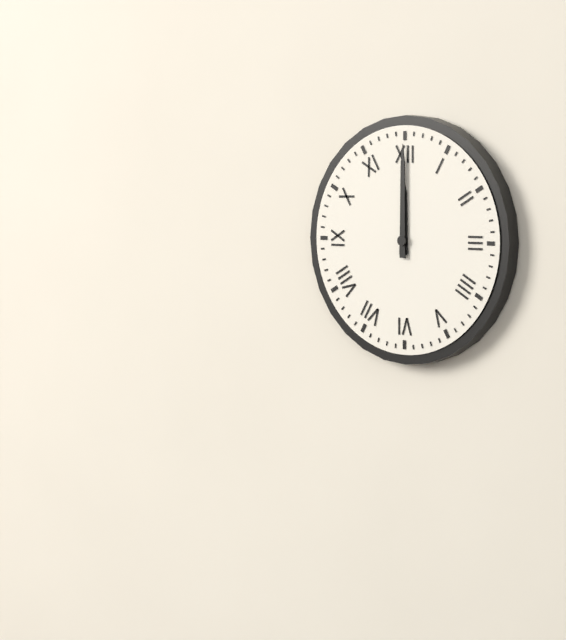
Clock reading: 12h00
